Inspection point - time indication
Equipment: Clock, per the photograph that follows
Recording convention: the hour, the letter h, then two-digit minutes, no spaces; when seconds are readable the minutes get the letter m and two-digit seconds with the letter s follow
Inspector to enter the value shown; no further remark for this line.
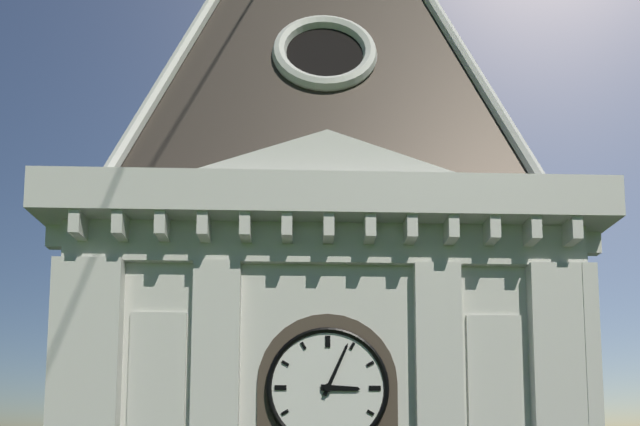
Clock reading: 3h04
